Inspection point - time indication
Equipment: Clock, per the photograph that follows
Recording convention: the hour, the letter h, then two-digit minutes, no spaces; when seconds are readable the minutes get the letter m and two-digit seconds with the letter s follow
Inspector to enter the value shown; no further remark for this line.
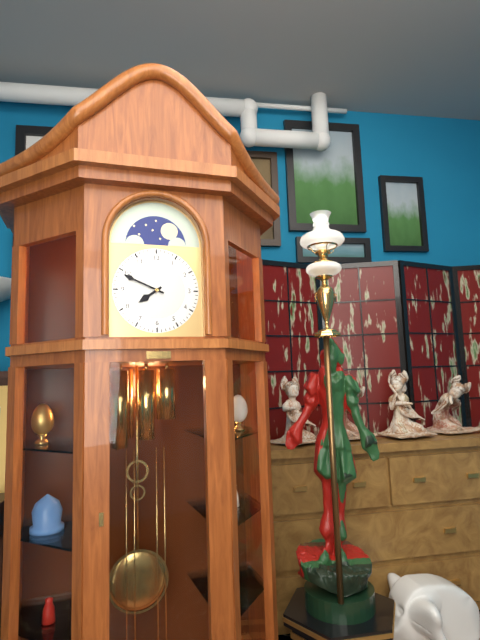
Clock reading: 7h49
